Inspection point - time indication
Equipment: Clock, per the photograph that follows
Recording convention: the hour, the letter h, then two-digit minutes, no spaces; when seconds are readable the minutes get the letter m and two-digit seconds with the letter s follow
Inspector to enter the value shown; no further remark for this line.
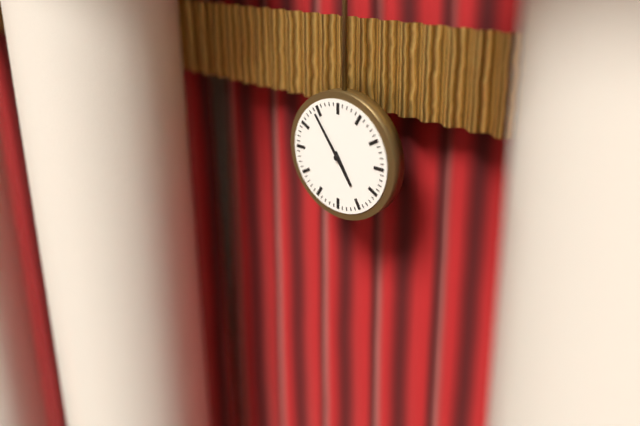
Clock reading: 4h54
